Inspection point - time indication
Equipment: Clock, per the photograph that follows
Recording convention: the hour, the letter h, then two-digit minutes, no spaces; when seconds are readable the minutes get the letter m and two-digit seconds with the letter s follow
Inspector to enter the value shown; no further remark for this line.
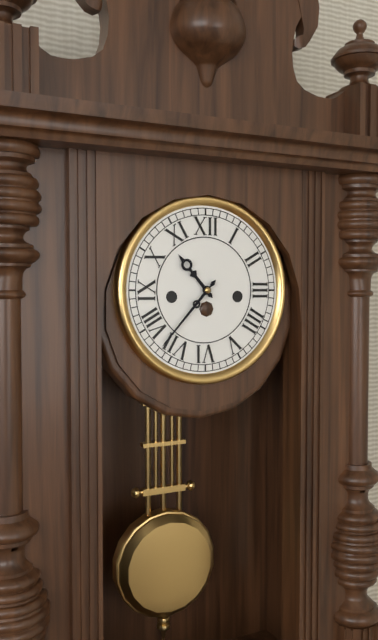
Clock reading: 10h37
